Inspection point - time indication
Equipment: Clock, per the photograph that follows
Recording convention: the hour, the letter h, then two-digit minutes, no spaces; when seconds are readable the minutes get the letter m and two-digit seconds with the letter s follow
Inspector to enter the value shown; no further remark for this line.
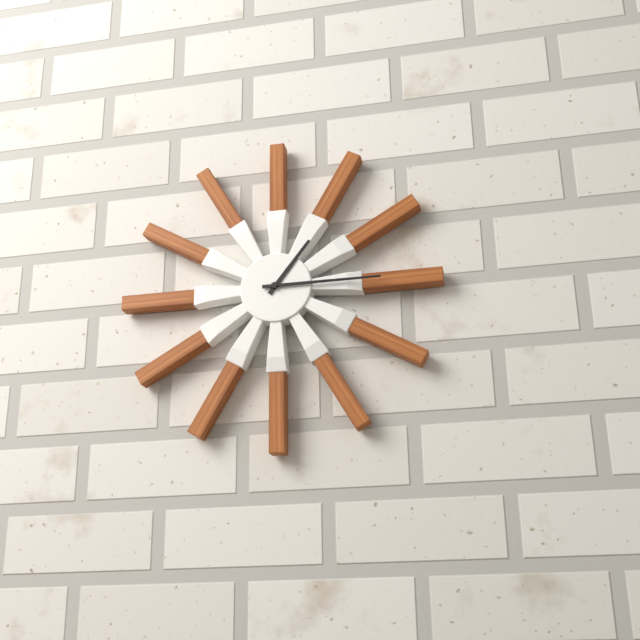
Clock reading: 1h15
